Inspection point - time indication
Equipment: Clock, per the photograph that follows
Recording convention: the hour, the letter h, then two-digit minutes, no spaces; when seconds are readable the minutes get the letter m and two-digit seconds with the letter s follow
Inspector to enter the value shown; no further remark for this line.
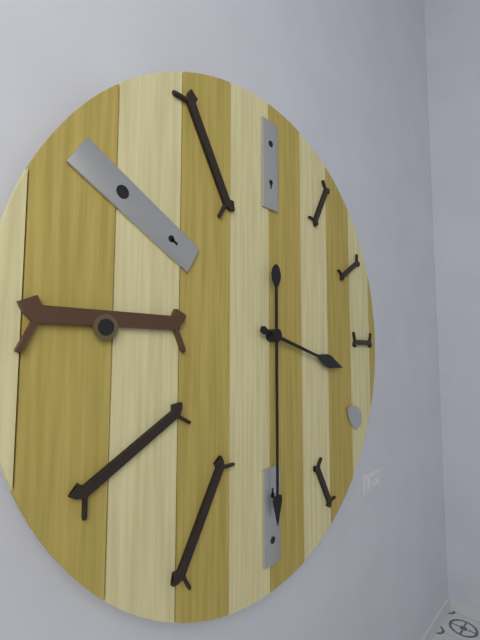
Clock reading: 3h30
